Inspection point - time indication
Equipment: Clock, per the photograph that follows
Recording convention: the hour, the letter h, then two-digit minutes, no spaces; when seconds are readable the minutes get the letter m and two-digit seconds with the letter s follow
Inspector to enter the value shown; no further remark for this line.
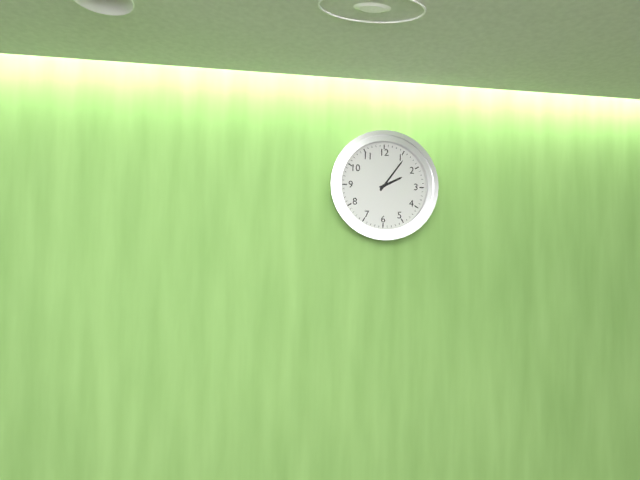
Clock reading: 2h06
